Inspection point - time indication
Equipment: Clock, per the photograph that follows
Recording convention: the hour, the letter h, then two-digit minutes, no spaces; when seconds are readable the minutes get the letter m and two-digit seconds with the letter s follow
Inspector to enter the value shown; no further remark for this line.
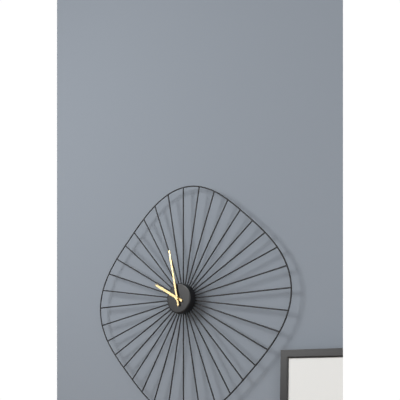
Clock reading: 9h58
